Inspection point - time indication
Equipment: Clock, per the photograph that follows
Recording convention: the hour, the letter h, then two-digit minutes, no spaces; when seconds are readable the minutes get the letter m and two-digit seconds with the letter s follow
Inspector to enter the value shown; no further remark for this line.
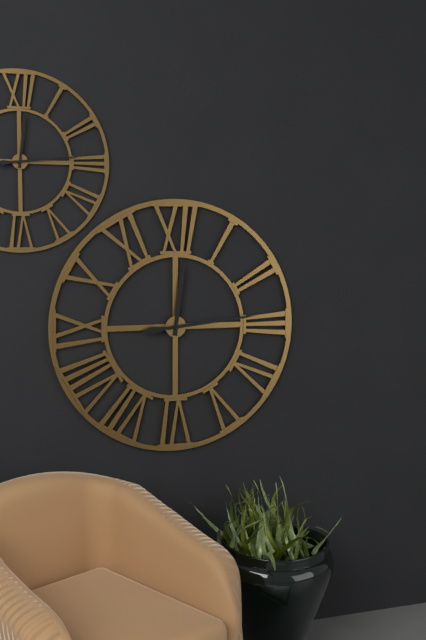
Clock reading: 12h14
